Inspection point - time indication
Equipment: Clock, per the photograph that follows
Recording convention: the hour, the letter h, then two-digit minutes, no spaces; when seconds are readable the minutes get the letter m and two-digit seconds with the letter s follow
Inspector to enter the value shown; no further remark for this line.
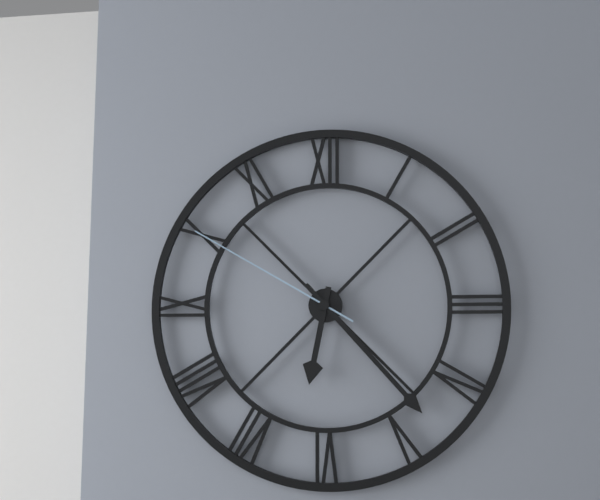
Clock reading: 6h23m50s
